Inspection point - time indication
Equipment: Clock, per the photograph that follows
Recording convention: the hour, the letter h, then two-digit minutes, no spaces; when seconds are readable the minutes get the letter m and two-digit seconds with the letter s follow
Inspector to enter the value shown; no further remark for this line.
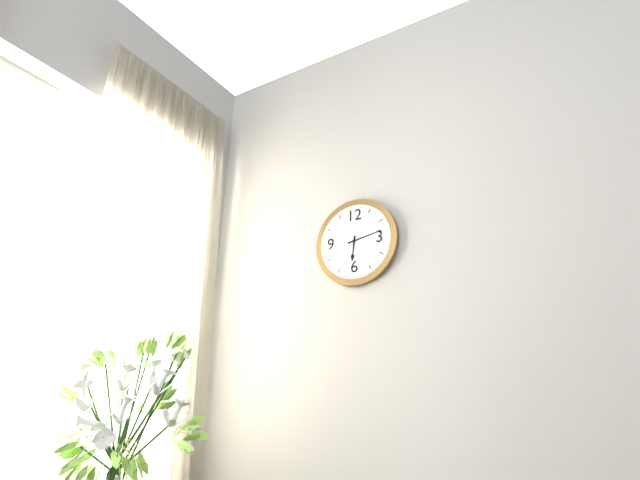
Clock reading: 6h13
